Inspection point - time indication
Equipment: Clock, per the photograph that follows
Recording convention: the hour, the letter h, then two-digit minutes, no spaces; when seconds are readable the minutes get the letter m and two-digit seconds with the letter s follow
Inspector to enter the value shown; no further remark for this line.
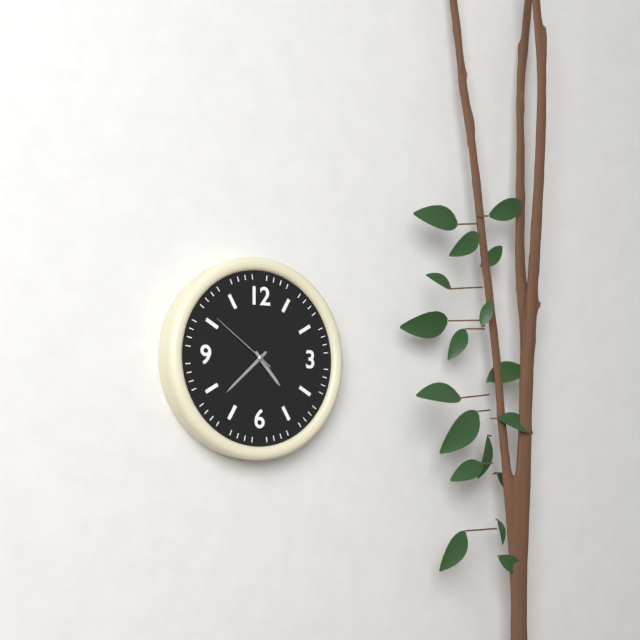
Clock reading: 4h38m51s
